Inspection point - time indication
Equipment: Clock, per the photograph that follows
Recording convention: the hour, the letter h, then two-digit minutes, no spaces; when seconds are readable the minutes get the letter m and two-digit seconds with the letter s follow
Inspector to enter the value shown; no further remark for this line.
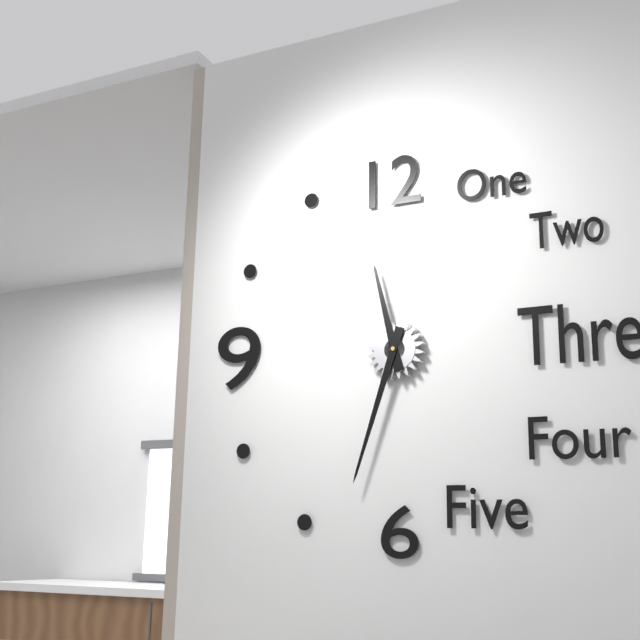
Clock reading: 11h33
